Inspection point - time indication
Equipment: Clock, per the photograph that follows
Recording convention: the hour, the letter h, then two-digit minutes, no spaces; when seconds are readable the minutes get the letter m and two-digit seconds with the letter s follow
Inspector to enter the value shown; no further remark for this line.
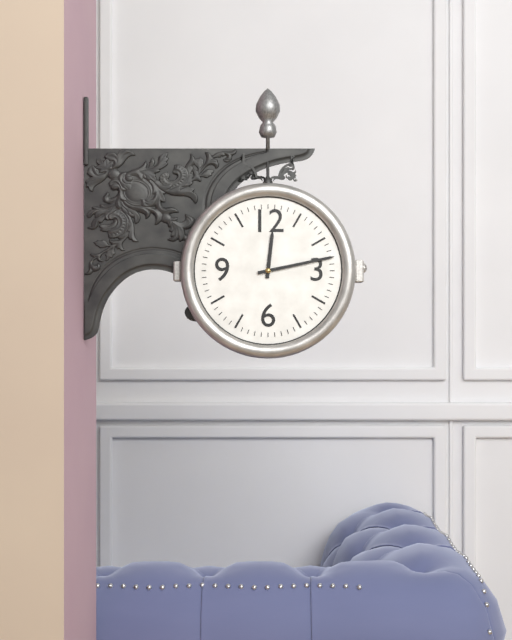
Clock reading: 12h13
